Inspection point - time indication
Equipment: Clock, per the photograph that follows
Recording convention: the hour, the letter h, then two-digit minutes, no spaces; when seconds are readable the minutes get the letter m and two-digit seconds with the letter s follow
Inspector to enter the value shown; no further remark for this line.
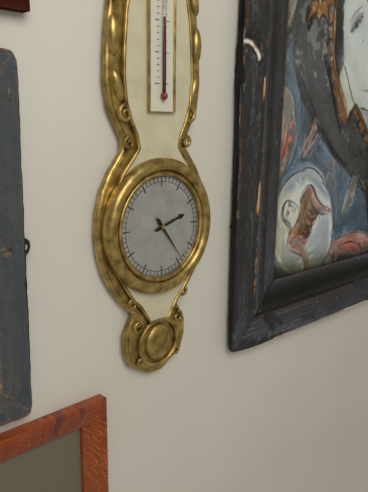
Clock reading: 2h24
